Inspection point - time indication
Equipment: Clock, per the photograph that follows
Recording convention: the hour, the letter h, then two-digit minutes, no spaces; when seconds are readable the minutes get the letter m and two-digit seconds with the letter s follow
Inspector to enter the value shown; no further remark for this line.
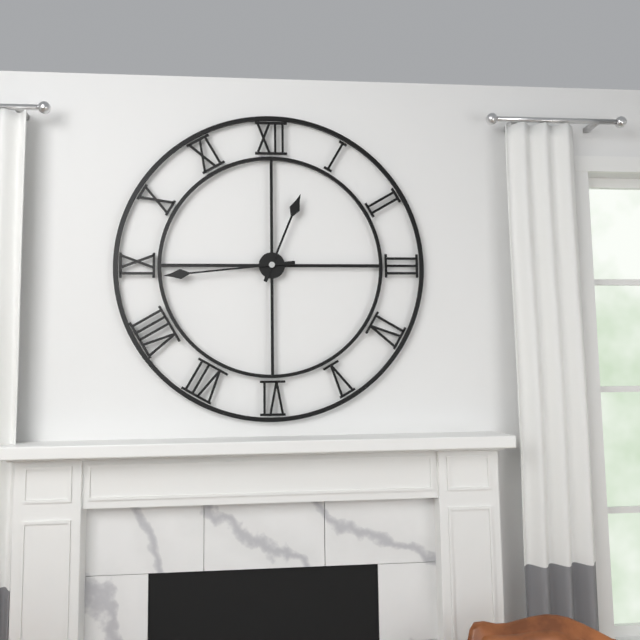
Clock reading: 12h44
